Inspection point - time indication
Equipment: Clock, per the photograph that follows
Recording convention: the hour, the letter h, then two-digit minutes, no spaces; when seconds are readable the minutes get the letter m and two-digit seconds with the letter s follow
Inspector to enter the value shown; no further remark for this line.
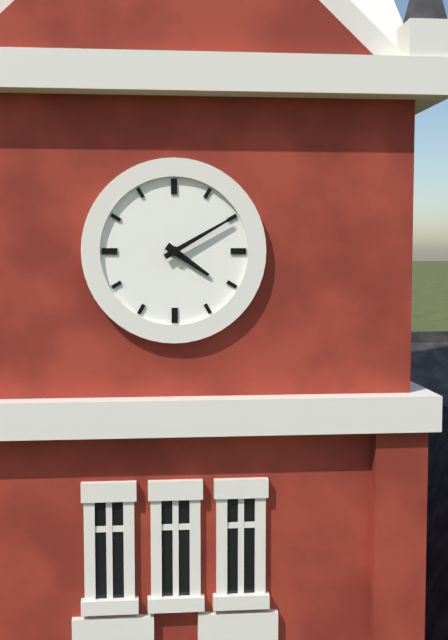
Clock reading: 4h10
